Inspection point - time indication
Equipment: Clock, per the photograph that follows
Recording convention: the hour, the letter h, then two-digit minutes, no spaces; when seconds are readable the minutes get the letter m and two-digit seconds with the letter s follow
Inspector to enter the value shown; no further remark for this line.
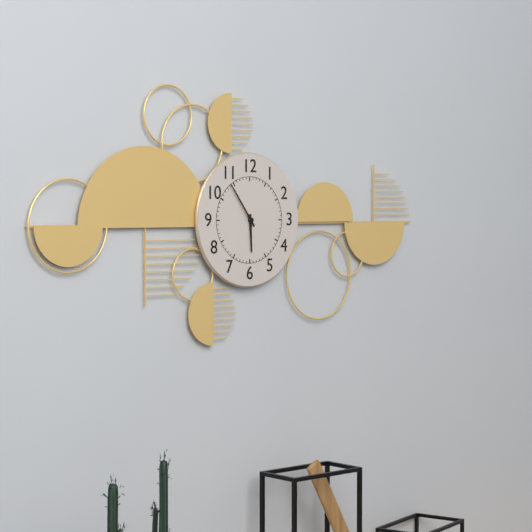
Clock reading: 5h54
